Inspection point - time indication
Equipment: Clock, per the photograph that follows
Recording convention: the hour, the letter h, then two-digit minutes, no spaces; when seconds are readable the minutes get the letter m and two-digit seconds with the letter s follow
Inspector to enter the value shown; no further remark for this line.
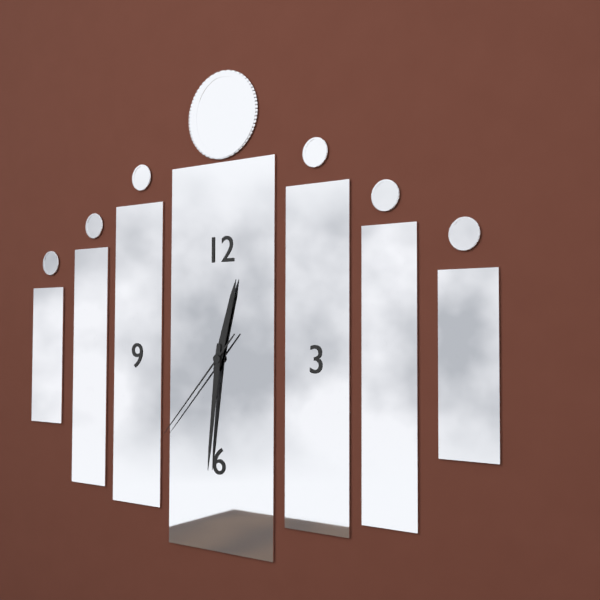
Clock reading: 12h31m37s
